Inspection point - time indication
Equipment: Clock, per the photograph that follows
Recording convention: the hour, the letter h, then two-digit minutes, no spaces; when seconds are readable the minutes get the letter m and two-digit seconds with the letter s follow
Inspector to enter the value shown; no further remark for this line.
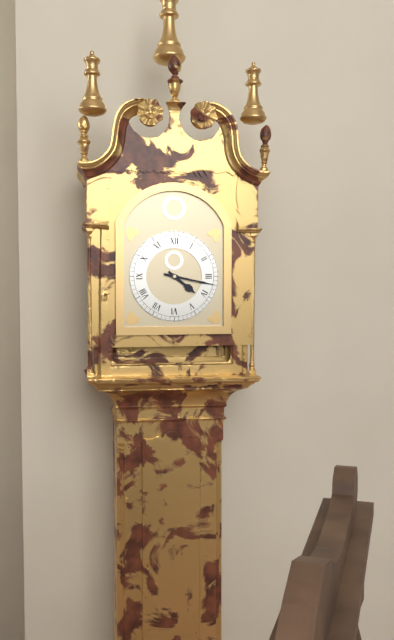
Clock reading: 4h17
